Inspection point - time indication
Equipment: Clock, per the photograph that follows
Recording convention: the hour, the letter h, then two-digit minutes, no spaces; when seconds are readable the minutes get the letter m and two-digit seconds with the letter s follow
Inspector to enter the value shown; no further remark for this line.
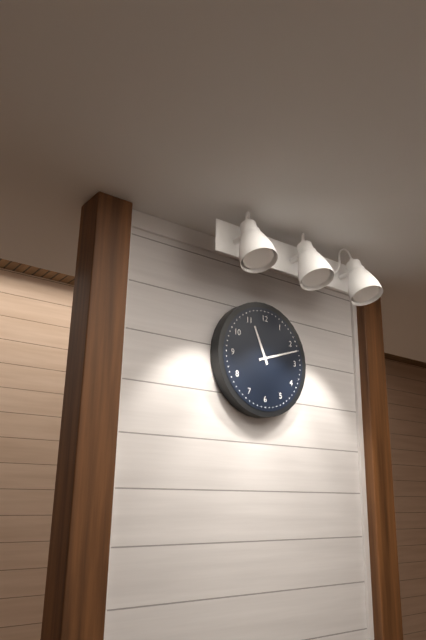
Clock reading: 11h12
